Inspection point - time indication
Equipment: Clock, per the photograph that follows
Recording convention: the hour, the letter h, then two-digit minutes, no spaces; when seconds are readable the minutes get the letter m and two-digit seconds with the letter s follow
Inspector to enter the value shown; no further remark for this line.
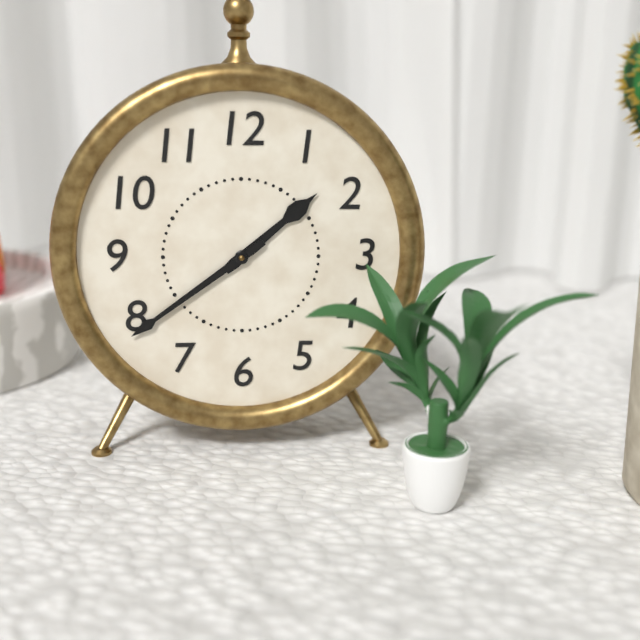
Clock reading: 1h39
